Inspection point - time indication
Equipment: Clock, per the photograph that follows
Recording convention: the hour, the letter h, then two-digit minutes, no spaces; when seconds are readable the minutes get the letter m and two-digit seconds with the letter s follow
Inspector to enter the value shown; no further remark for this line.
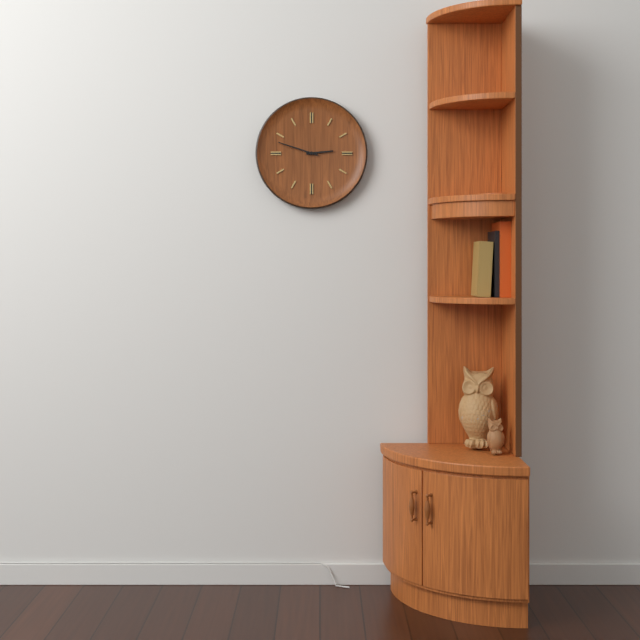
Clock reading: 2h48
